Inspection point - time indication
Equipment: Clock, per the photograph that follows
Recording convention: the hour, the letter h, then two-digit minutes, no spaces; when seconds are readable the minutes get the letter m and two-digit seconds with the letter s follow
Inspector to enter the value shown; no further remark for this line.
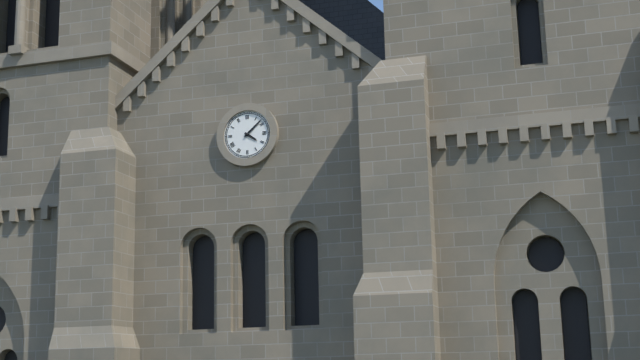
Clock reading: 4h08
